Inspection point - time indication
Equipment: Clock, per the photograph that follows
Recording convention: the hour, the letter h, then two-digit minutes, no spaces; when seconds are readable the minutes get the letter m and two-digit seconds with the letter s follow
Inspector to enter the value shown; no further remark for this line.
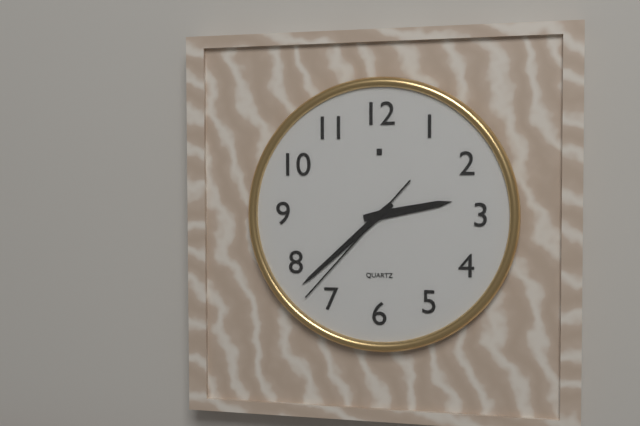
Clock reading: 2h38m37s
